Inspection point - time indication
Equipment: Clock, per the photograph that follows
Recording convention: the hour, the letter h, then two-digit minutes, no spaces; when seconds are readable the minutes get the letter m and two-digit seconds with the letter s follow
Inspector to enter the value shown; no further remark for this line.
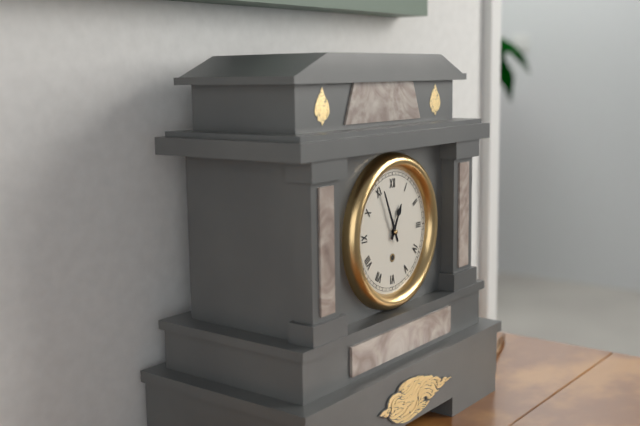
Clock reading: 12h56
